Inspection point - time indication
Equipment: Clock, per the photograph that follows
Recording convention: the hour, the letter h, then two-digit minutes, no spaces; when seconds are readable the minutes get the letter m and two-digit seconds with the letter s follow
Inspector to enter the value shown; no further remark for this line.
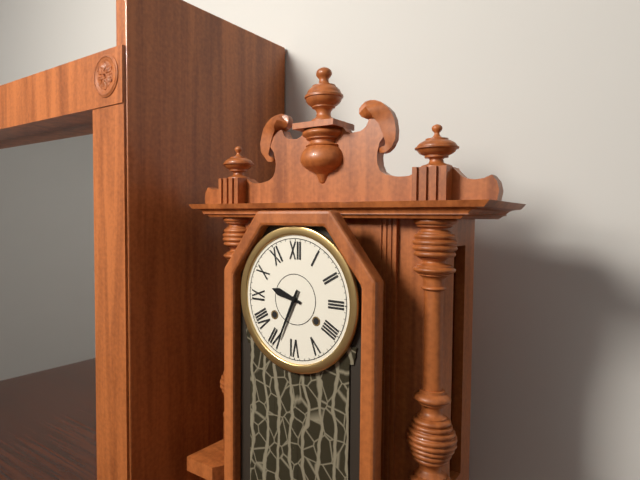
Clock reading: 9h34
